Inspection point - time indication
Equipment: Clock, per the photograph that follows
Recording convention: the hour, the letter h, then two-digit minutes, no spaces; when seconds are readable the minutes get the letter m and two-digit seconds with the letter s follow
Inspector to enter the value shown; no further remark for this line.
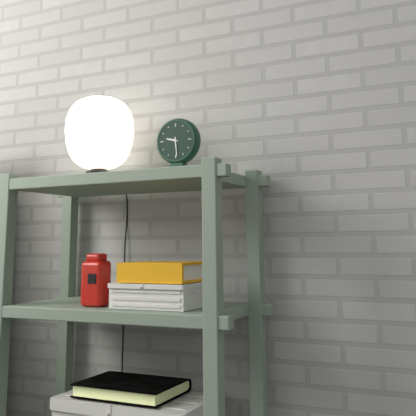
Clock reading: 9h29
